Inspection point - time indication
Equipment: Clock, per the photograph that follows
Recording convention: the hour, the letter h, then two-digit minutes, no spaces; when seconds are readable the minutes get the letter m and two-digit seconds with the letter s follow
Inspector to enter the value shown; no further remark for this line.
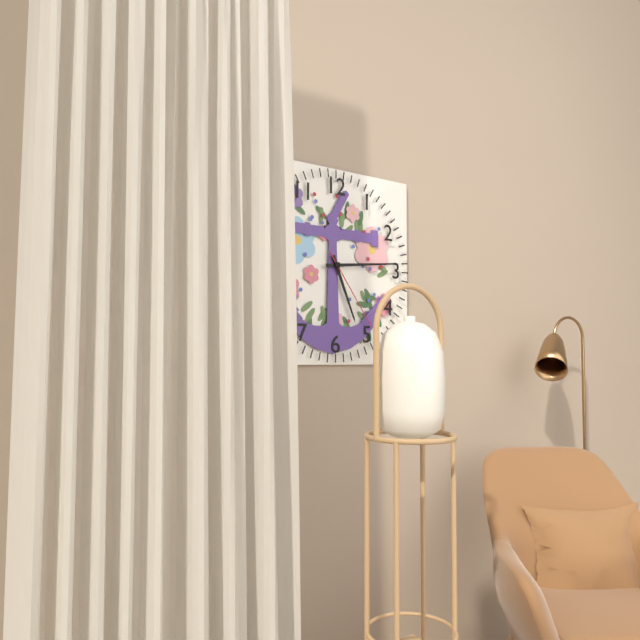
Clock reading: 5h14m24s
